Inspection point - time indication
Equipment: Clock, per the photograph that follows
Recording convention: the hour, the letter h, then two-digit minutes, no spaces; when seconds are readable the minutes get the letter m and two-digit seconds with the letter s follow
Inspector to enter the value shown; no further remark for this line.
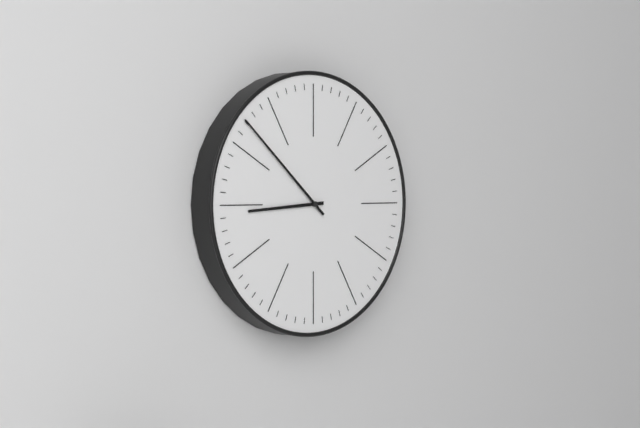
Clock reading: 8h52
